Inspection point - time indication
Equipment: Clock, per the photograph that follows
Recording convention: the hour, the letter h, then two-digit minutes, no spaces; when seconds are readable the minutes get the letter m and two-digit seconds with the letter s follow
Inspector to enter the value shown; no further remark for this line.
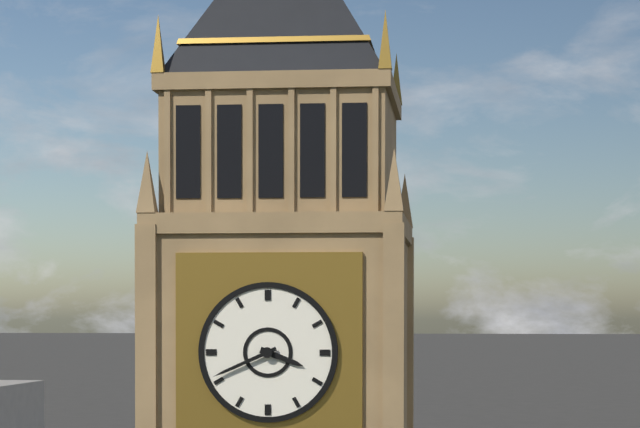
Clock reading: 3h41
